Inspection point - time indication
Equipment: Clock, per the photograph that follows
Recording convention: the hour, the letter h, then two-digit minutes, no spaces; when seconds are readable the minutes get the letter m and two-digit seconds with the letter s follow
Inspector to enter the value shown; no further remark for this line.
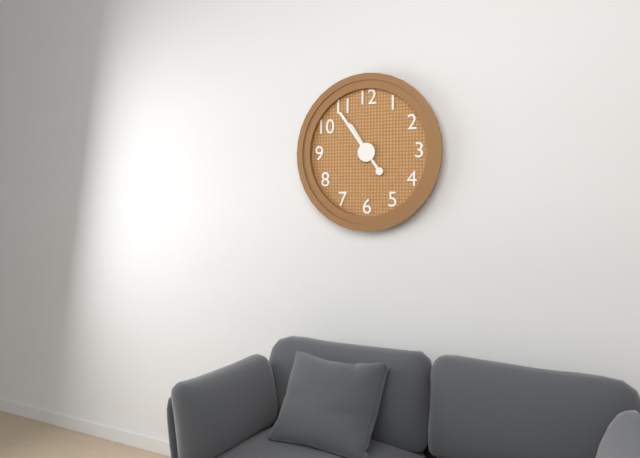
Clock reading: 10h54
